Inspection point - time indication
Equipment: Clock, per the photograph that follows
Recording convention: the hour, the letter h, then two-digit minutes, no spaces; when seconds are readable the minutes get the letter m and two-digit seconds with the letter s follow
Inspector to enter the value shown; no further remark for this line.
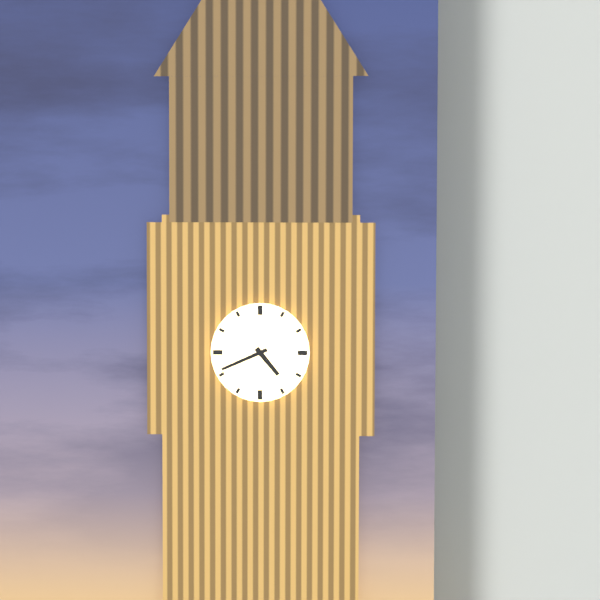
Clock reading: 4h41
